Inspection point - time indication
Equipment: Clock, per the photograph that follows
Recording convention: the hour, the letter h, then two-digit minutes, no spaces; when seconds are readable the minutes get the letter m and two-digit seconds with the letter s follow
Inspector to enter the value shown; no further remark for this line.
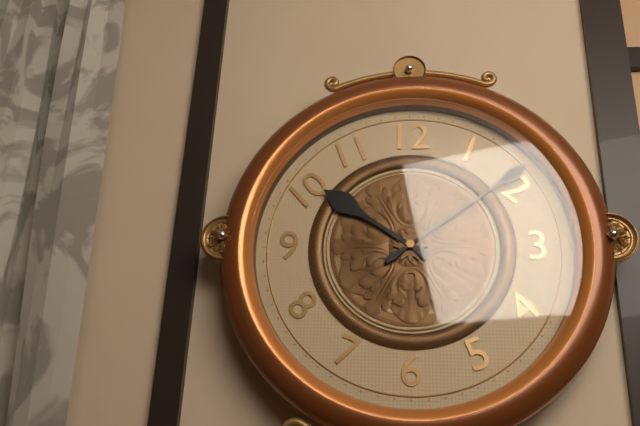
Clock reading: 10h09
